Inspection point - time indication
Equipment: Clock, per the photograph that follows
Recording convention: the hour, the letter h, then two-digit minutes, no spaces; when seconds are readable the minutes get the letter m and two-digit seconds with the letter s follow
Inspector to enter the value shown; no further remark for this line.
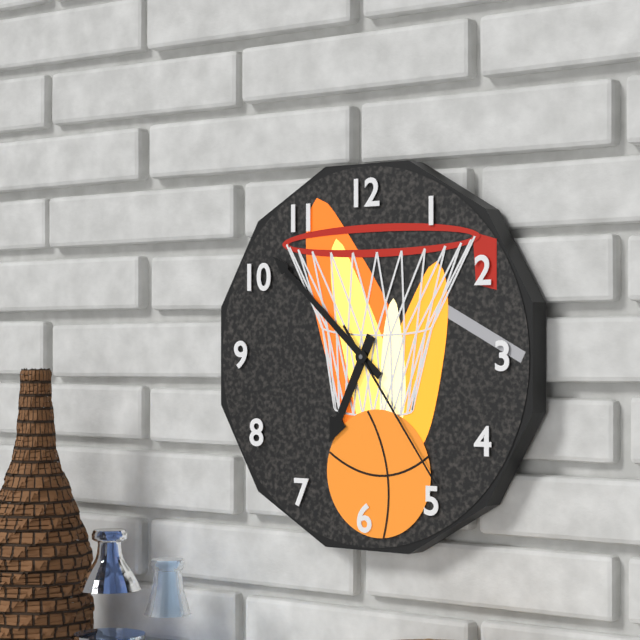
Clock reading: 6h52m24s
